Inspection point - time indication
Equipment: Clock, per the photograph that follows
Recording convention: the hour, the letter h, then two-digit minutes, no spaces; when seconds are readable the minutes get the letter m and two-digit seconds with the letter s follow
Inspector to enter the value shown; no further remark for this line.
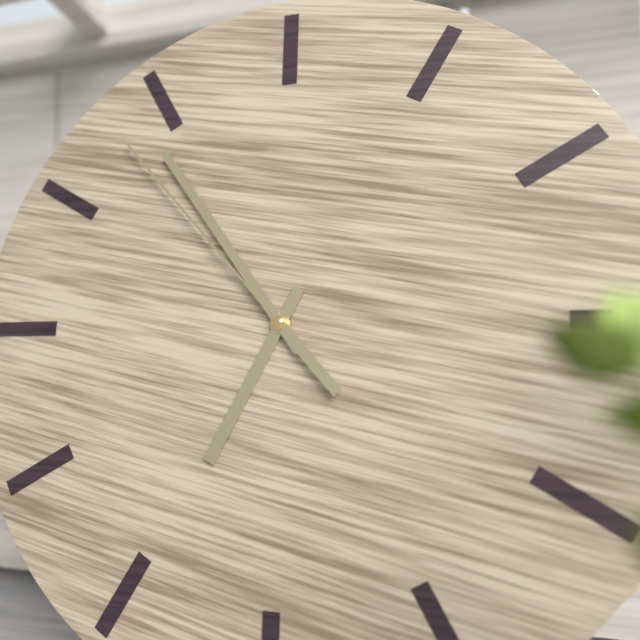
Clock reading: 6h54m53s
